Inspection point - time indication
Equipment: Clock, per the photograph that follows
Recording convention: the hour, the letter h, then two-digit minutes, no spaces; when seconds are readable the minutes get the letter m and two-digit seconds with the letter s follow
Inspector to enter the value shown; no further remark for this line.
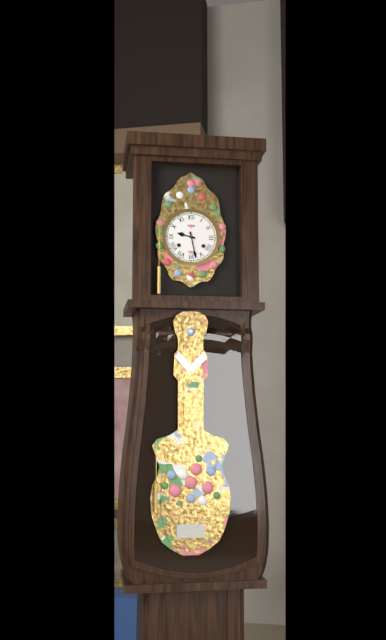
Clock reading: 9h28
